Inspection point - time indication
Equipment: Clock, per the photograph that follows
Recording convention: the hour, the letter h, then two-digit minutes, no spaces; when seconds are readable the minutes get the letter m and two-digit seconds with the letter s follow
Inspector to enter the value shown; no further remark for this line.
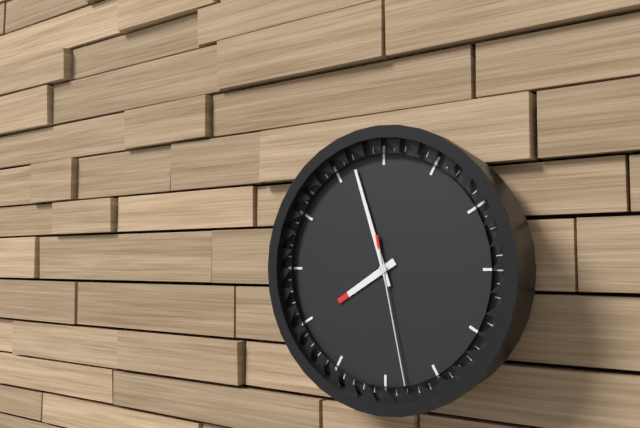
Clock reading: 7h57m28s
